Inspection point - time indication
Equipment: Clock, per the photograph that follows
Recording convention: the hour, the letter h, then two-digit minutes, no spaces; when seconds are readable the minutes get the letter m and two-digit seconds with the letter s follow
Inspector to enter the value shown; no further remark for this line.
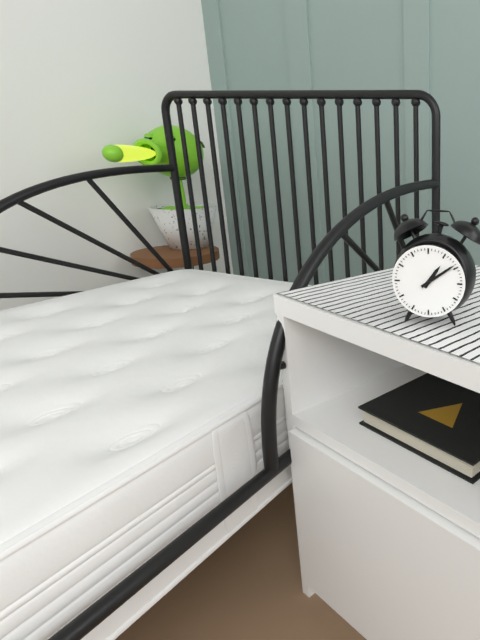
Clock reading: 1h09
